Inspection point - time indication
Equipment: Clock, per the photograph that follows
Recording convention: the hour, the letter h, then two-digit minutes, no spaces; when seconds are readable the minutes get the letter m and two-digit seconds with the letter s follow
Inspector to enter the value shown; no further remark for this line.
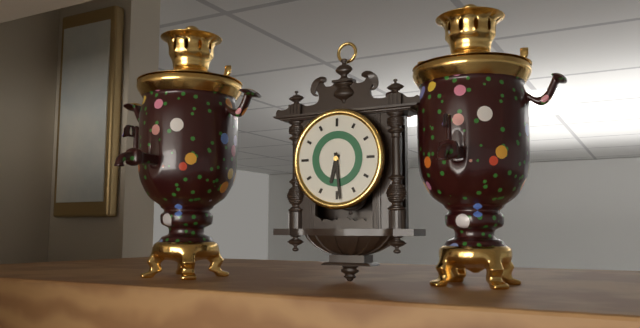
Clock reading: 6h29
